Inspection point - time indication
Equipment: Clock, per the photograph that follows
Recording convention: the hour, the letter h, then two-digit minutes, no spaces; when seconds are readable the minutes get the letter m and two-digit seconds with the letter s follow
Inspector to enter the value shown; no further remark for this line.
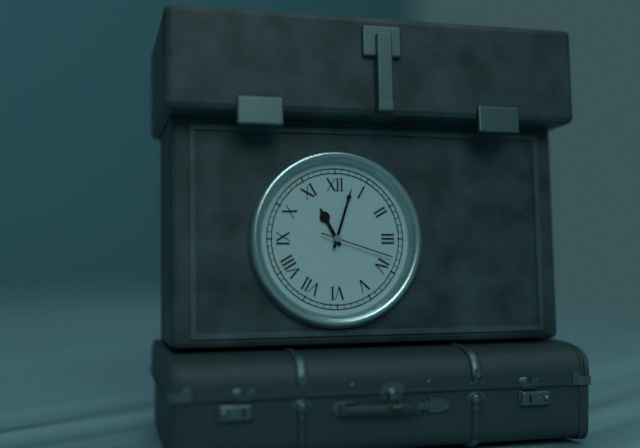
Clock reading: 11h03m18s
